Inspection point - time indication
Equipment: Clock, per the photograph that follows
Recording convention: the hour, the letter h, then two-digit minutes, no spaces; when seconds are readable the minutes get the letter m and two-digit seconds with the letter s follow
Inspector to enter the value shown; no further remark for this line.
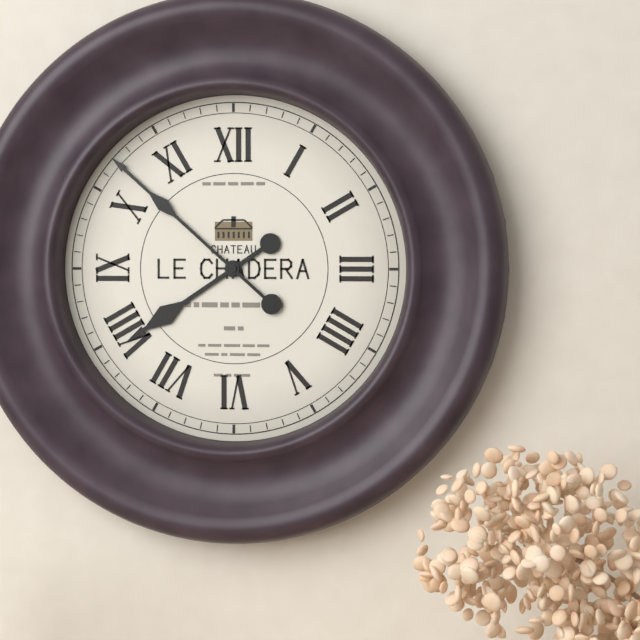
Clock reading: 7h52
